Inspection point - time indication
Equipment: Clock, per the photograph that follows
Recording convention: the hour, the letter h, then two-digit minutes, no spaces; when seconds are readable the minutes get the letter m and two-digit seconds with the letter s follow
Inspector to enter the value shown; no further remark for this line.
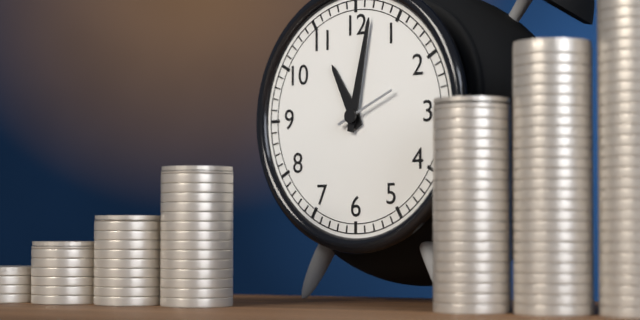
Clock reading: 11h02m11s
